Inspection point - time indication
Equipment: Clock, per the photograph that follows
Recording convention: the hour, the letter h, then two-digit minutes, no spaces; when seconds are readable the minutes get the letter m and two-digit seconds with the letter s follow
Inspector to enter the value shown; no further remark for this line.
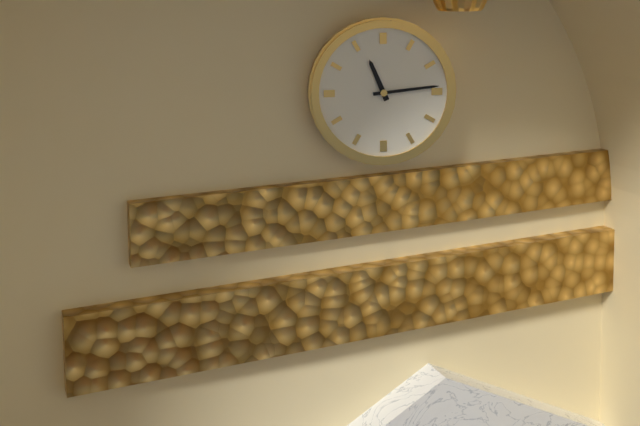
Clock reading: 11h14
